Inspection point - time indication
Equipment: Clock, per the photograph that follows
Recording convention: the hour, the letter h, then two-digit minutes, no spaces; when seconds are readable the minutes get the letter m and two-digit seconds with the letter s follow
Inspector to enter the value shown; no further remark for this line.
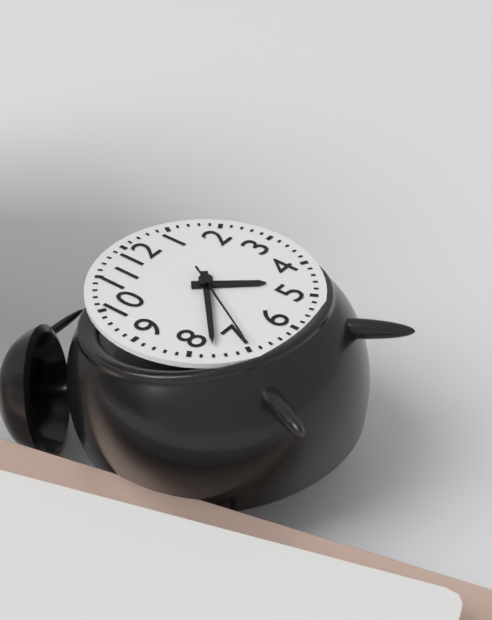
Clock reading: 4h38m35s
